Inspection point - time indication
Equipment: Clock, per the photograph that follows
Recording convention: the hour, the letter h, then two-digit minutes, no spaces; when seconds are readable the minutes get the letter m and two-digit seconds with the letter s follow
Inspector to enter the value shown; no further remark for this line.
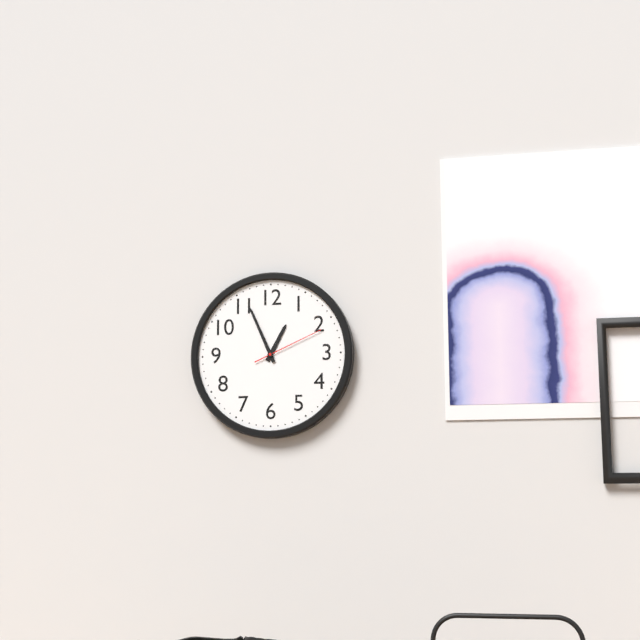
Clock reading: 12h56m11s
